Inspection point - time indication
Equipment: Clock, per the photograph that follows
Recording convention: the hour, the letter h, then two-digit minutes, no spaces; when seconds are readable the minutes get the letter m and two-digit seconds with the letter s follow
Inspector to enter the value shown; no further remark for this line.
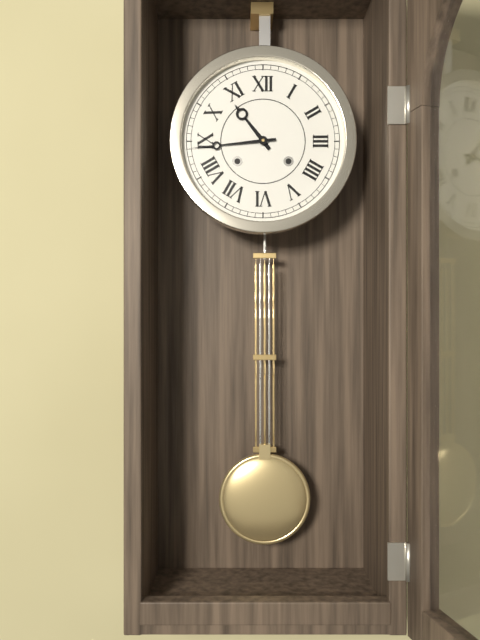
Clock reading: 10h44
